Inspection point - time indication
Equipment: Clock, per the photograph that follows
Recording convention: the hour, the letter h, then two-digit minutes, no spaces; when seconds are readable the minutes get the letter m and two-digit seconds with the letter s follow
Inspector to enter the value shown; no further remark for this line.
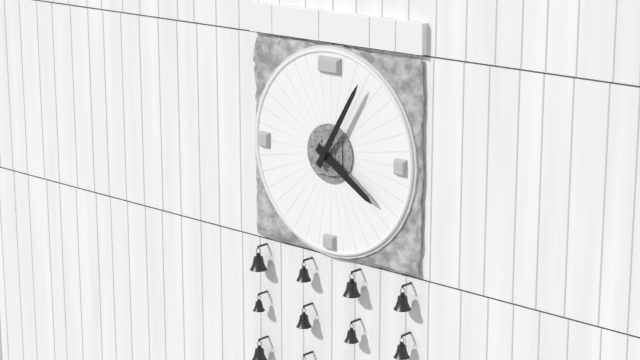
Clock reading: 4h05
